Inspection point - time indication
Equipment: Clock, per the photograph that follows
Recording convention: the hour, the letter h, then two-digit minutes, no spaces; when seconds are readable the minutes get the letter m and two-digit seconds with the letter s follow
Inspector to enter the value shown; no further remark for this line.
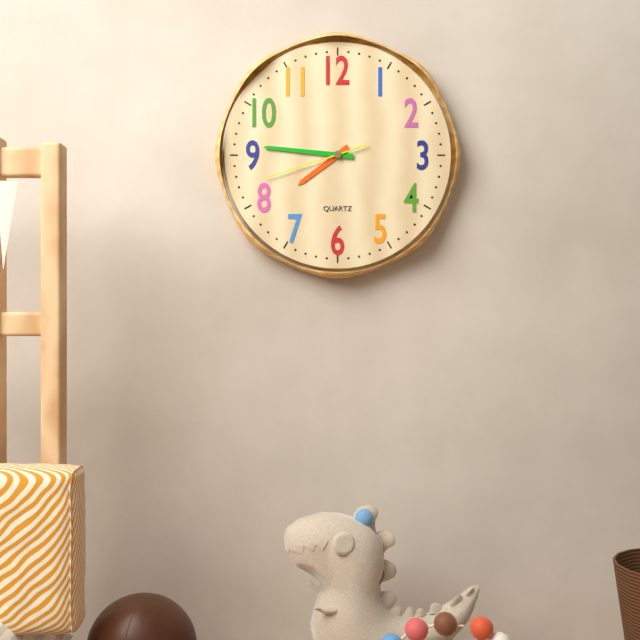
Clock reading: 7h46m42s
